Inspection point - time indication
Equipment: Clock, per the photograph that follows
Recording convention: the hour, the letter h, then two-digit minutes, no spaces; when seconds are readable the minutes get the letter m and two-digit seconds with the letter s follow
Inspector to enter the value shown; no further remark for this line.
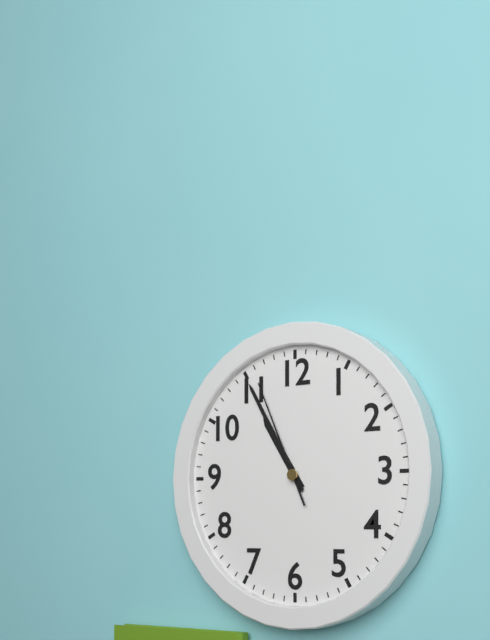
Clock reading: 10h55m56s
